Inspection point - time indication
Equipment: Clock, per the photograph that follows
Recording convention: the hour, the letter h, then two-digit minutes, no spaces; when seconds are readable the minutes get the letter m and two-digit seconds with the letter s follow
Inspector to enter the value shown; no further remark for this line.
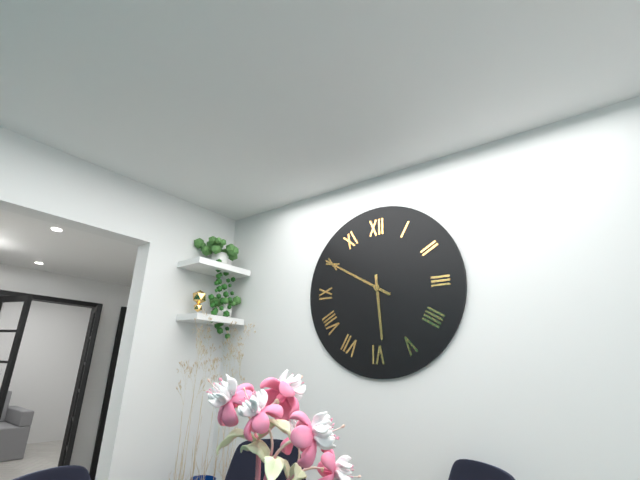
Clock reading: 5h50
